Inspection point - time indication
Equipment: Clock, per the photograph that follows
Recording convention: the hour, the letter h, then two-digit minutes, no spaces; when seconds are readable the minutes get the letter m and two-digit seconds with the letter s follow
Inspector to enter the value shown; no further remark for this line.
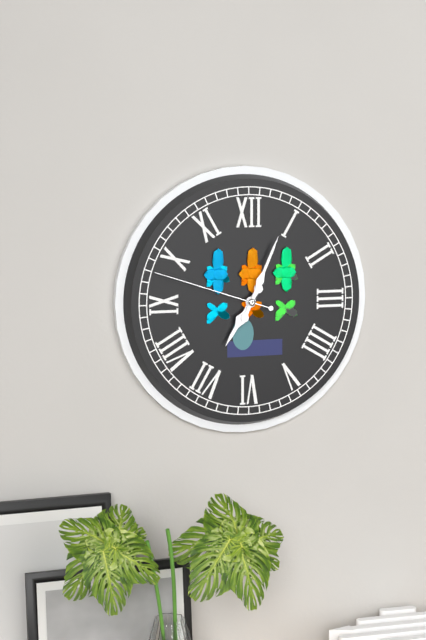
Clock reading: 7h04m48s
